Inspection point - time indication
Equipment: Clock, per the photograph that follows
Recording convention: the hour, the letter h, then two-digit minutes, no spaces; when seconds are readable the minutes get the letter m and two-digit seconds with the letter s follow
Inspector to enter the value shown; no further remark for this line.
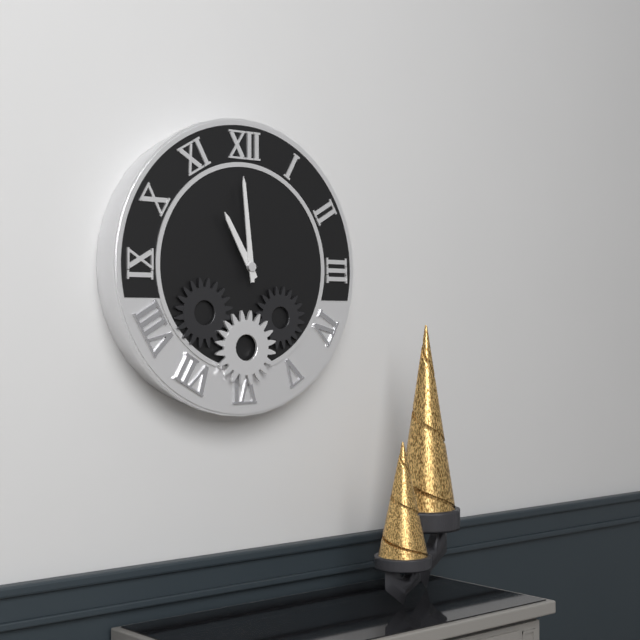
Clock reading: 10h59
